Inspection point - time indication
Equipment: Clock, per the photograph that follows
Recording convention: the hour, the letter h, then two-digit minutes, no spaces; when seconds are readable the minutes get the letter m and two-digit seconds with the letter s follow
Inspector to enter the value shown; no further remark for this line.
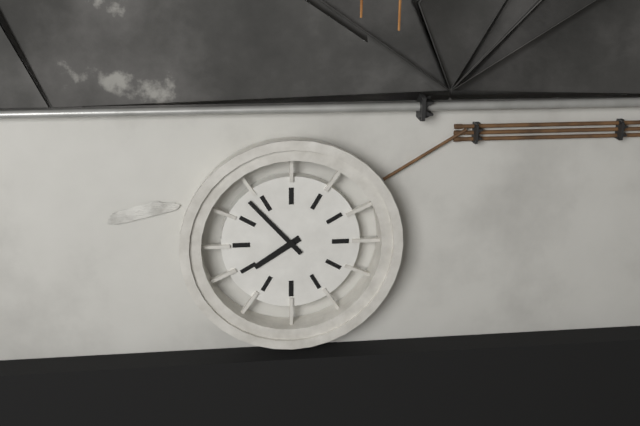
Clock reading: 7h53
